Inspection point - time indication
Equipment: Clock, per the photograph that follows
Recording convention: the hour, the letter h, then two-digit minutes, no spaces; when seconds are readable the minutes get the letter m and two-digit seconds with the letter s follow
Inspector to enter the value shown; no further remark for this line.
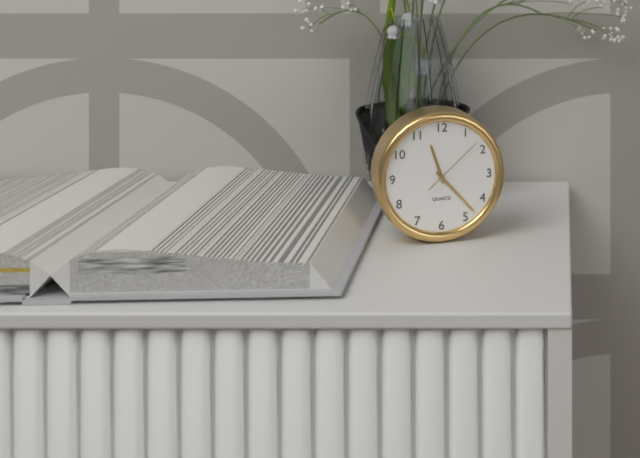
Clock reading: 11h23m08s
